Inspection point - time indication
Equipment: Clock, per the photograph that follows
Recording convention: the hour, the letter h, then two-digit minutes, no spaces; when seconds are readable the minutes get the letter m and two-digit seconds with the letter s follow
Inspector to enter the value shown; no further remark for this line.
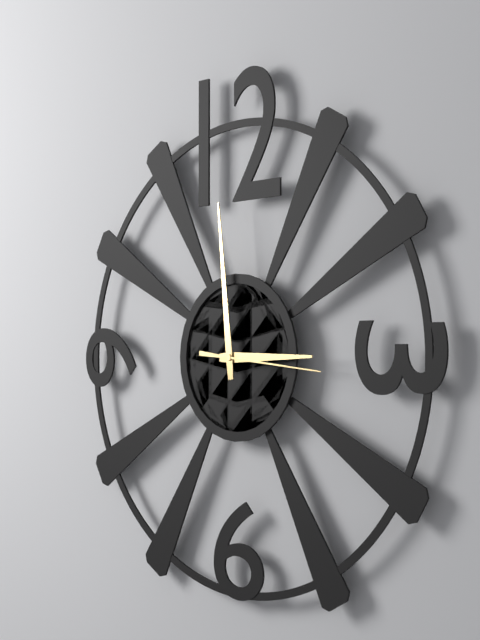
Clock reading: 2h59m16s
